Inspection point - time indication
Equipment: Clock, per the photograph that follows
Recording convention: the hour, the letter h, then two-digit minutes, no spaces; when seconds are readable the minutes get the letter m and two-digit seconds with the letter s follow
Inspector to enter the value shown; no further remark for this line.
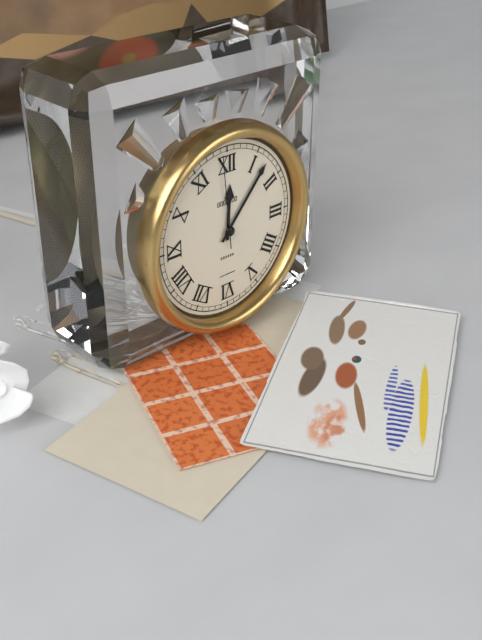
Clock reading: 12h07m59s
